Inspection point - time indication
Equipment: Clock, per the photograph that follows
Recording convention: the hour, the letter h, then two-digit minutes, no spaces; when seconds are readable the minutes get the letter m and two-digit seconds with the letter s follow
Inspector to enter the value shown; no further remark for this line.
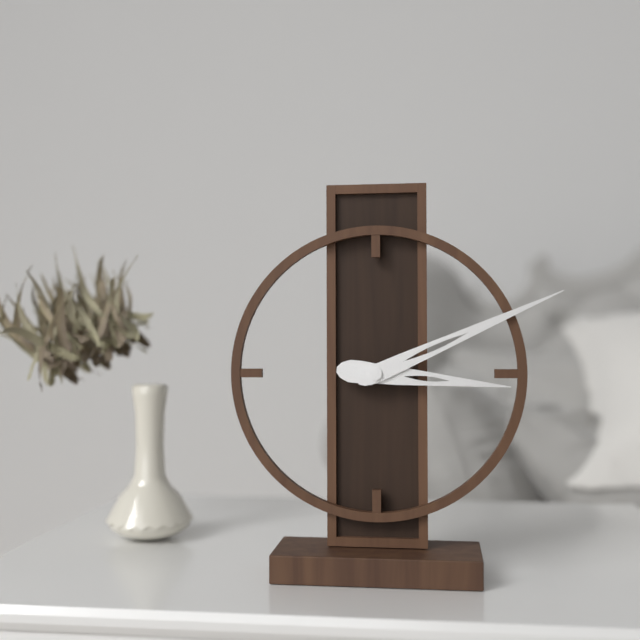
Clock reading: 3h11
